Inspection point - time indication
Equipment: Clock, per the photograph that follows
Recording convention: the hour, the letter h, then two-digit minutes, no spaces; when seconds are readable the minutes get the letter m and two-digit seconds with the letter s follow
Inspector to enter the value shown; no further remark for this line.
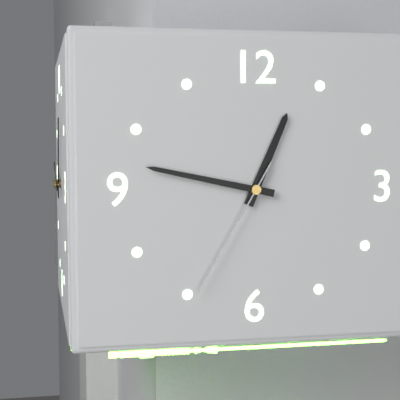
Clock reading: 12h47m35s
